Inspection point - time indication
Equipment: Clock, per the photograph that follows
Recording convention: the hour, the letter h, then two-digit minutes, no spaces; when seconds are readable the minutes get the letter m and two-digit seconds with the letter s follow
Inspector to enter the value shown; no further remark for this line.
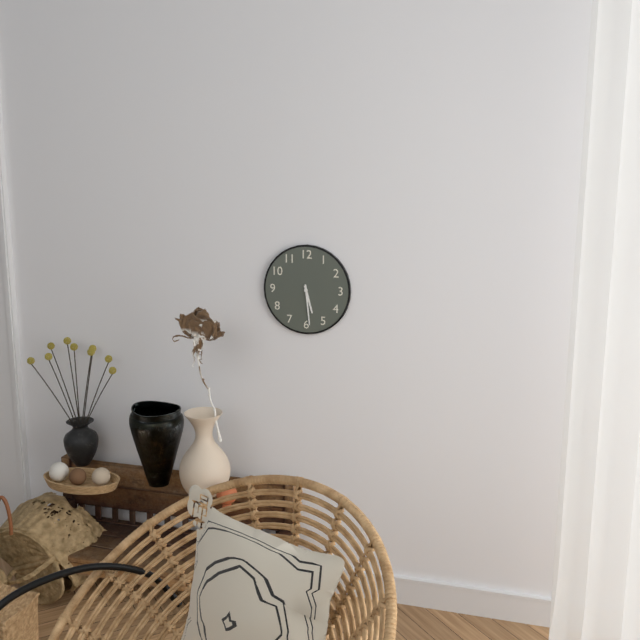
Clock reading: 5h29
